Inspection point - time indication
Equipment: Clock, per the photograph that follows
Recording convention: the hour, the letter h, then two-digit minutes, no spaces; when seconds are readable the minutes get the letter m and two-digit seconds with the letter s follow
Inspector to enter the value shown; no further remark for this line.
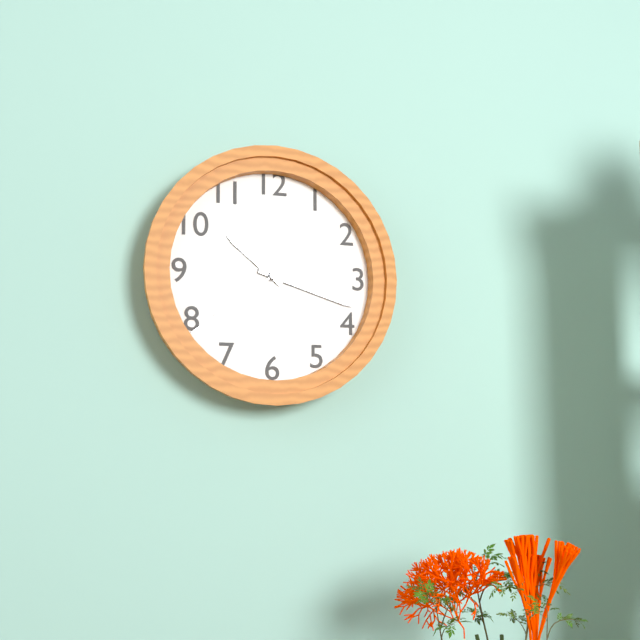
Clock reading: 10h18m39s
